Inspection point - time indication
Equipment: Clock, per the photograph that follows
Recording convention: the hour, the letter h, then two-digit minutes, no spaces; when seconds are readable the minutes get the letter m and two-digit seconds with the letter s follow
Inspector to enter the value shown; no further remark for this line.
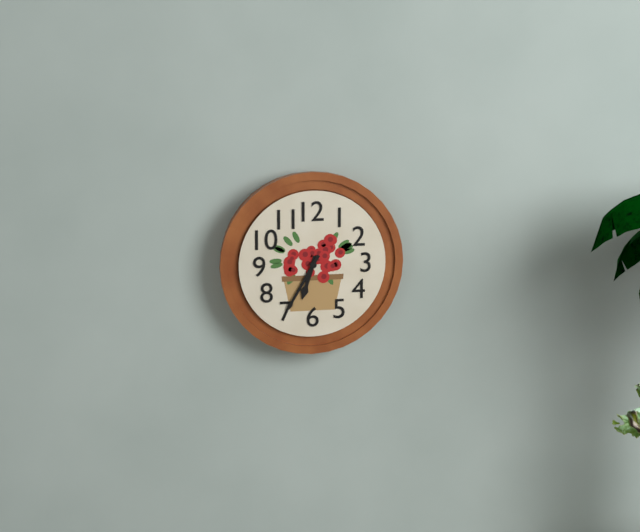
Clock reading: 6h35
